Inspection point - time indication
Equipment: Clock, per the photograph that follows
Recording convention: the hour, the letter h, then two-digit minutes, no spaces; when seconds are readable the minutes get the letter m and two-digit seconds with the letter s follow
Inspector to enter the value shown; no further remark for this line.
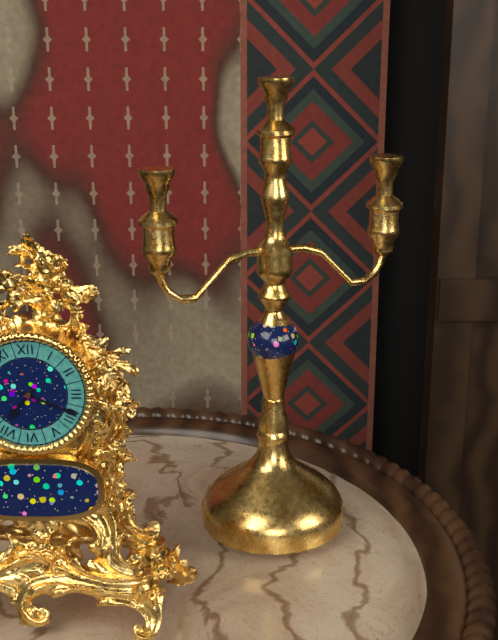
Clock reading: 7h19
